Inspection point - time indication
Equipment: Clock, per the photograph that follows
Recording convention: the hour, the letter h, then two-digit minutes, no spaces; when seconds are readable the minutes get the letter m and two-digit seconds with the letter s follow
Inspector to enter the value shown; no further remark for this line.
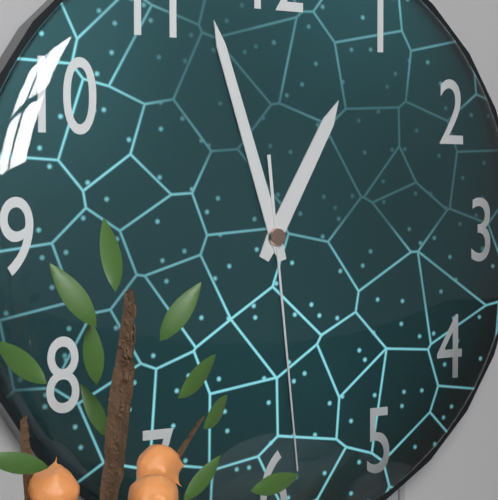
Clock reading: 12h57m29s
